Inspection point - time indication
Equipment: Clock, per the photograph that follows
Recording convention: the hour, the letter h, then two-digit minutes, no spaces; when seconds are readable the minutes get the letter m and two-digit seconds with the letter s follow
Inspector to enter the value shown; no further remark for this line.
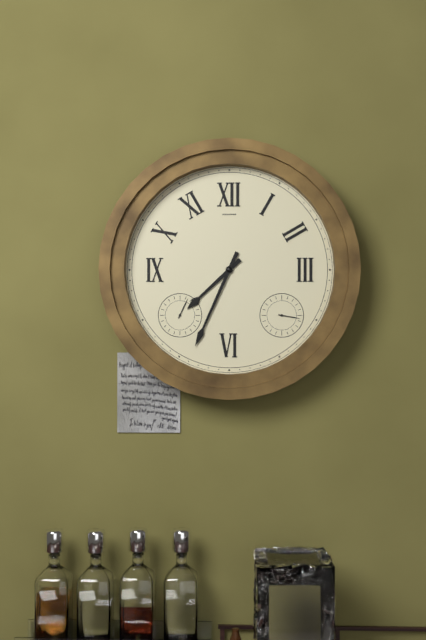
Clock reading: 7h34
